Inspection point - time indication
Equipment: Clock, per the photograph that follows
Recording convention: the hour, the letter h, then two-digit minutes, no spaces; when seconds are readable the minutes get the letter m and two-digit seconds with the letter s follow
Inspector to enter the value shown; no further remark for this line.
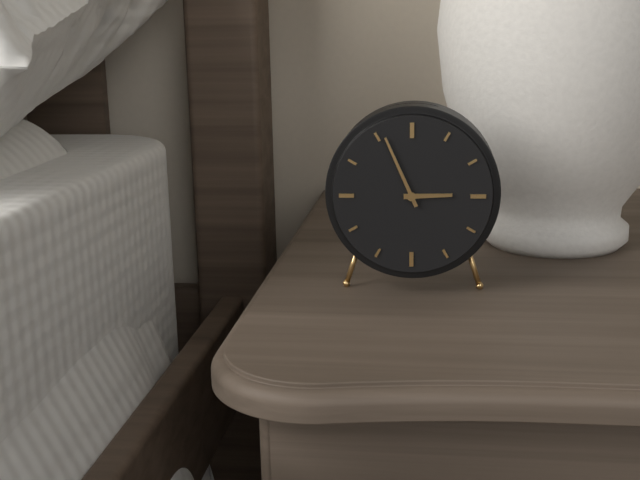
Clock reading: 2h56
